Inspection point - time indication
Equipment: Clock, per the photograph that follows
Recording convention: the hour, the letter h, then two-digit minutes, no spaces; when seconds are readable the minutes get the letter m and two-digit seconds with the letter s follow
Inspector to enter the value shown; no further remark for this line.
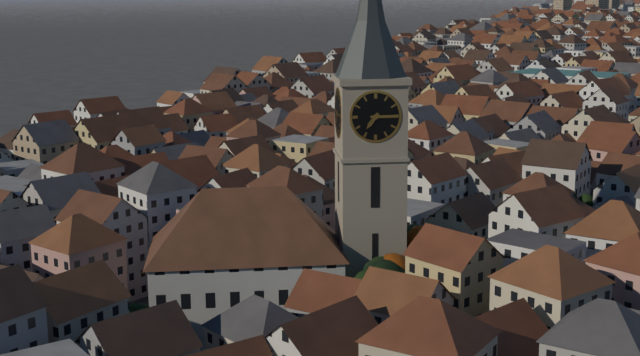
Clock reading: 7h15
